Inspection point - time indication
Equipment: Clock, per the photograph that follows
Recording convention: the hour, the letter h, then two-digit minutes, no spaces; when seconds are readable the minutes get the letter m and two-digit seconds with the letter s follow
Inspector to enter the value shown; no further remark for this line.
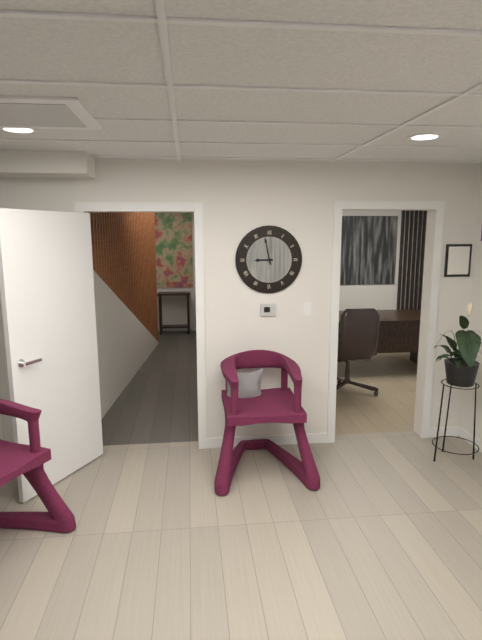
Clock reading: 8h58
